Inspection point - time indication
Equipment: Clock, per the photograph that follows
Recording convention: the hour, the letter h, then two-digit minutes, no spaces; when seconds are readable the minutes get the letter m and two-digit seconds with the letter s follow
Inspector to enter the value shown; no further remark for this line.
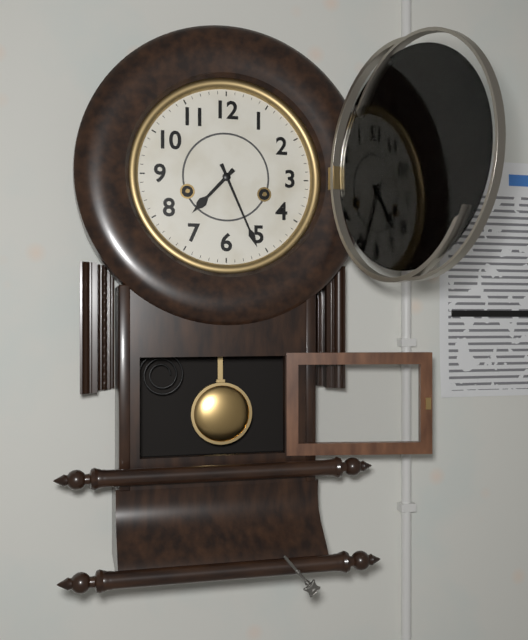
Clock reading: 7h26
